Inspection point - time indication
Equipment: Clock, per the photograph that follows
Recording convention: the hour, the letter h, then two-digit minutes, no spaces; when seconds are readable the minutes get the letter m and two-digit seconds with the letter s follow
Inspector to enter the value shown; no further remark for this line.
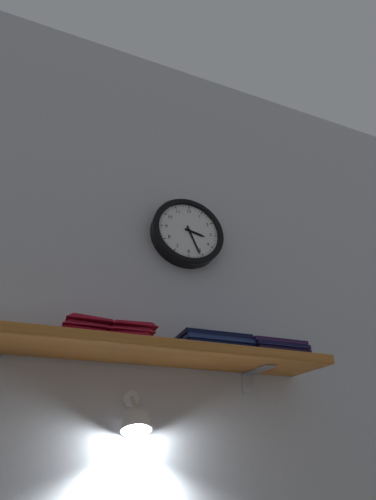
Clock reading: 3h26
